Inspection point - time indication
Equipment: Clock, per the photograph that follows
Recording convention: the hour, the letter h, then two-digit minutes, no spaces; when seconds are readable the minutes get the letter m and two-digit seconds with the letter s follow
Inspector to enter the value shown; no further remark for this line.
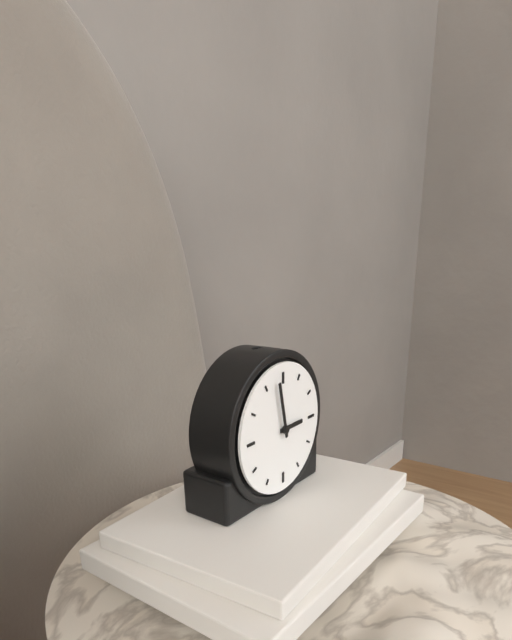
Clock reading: 2h58
